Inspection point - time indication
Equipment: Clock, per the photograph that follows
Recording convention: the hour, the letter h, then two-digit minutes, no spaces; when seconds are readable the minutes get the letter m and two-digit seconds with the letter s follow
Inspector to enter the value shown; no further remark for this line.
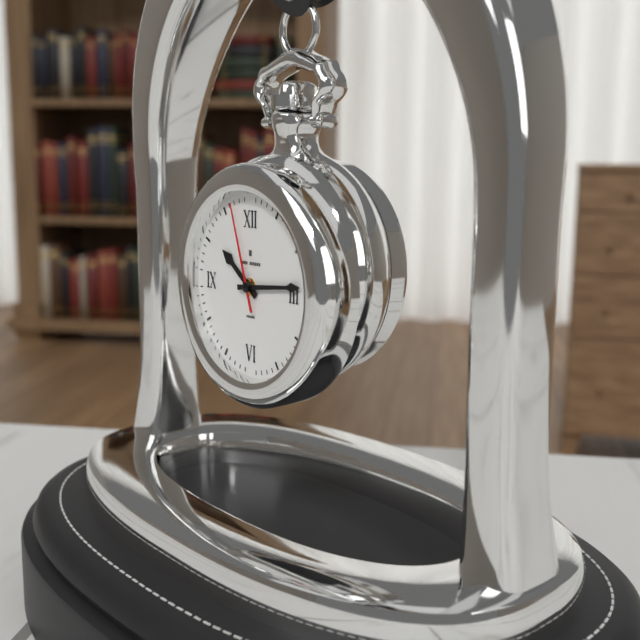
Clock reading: 10h14m57s
